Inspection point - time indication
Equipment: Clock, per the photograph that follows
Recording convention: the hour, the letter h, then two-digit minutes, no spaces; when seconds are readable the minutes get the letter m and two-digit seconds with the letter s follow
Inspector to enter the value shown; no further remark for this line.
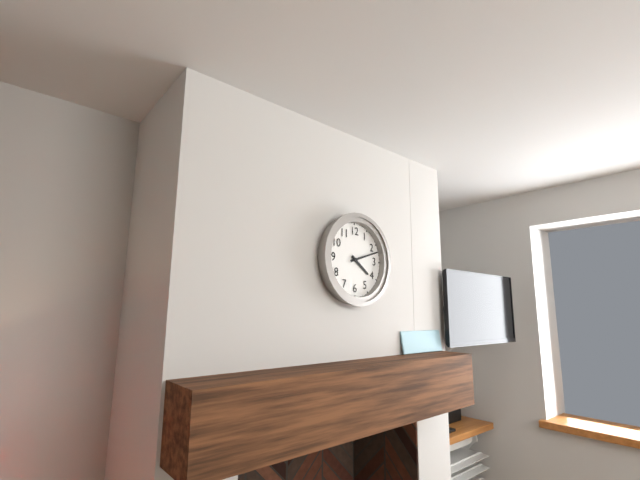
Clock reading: 4h12
